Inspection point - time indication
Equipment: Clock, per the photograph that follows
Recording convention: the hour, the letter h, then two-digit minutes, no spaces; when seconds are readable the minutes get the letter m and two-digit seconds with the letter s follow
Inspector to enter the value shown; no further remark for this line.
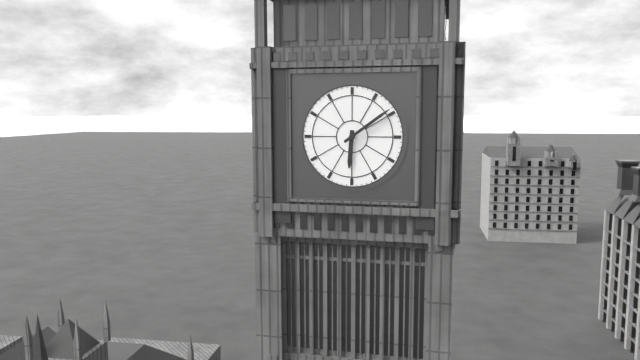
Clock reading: 6h09
